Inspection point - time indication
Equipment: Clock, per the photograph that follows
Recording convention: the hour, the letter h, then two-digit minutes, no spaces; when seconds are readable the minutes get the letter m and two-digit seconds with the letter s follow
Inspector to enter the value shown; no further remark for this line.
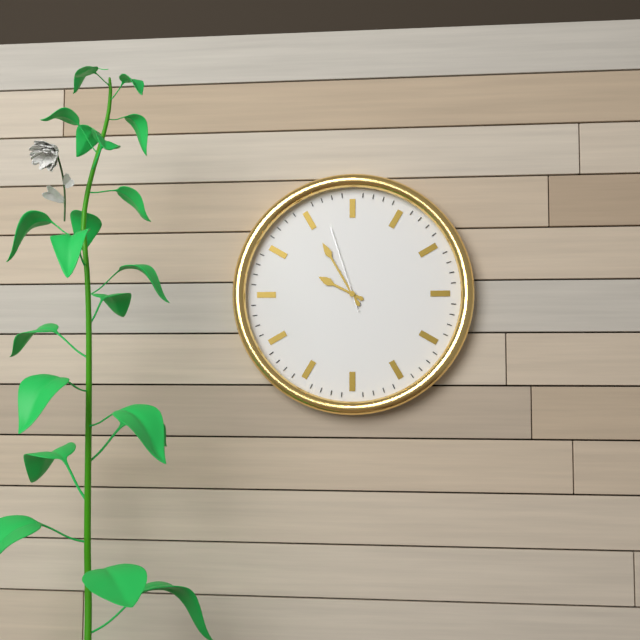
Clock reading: 9h55m57s
